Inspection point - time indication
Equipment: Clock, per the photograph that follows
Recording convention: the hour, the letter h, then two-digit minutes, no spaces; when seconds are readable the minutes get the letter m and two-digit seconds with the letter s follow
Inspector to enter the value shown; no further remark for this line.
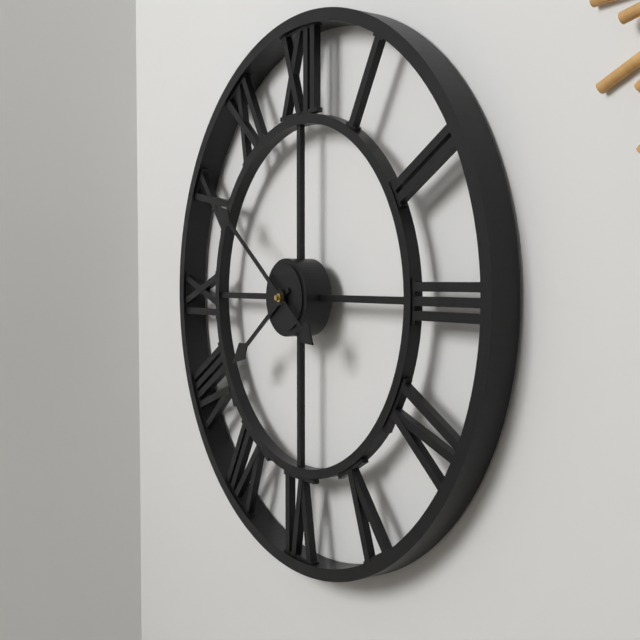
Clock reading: 7h51
